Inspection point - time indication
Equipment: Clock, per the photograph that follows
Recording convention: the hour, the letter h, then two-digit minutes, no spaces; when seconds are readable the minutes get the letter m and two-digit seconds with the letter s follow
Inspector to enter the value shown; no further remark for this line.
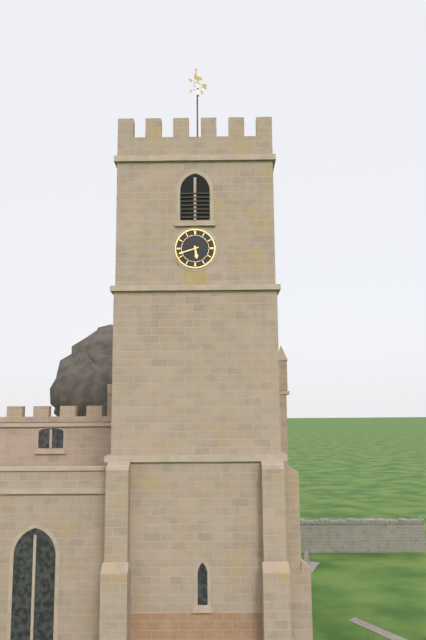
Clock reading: 5h42
